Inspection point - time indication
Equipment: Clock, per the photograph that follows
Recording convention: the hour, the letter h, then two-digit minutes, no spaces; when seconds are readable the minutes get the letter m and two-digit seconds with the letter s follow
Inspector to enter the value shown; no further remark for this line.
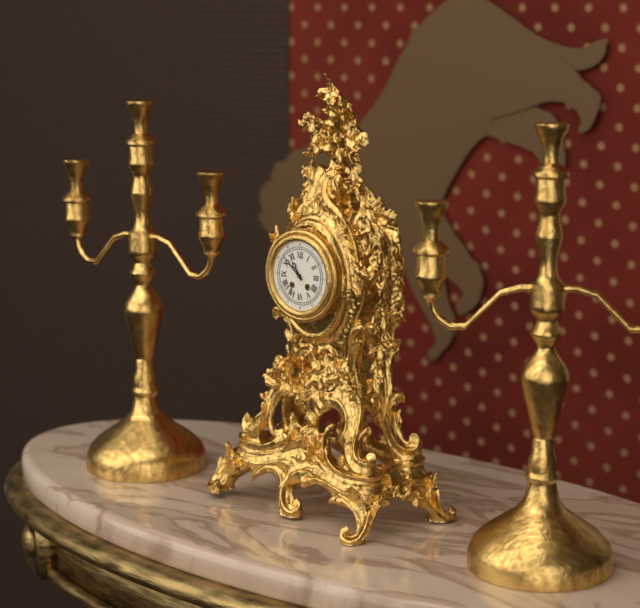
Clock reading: 10h52
